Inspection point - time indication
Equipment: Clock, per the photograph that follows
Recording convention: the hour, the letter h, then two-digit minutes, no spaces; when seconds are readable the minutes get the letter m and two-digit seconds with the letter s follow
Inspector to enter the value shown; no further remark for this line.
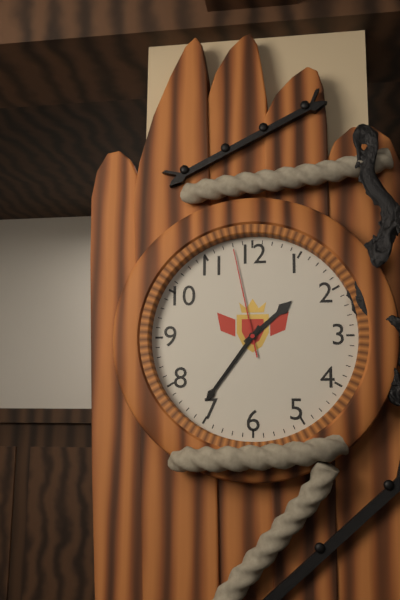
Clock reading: 1h36m58s
